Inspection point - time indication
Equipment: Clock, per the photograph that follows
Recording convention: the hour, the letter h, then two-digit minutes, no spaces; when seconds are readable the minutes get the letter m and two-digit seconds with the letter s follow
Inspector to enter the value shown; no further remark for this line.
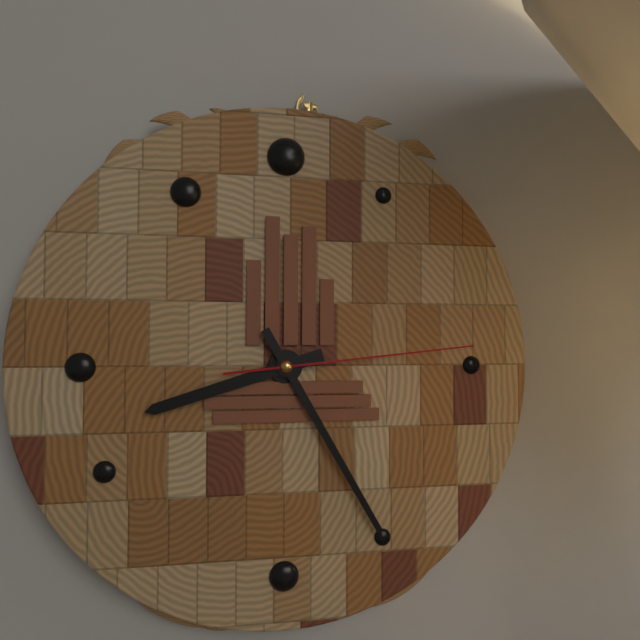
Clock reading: 8h25m14s
